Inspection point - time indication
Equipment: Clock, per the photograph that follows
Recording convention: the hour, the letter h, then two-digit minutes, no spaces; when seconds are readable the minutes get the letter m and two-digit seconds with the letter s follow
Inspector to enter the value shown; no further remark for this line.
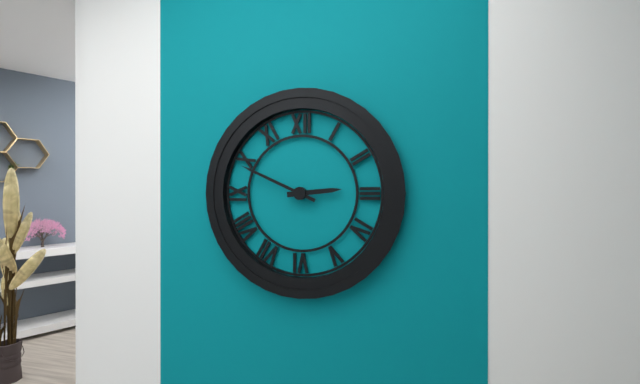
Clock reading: 2h49
